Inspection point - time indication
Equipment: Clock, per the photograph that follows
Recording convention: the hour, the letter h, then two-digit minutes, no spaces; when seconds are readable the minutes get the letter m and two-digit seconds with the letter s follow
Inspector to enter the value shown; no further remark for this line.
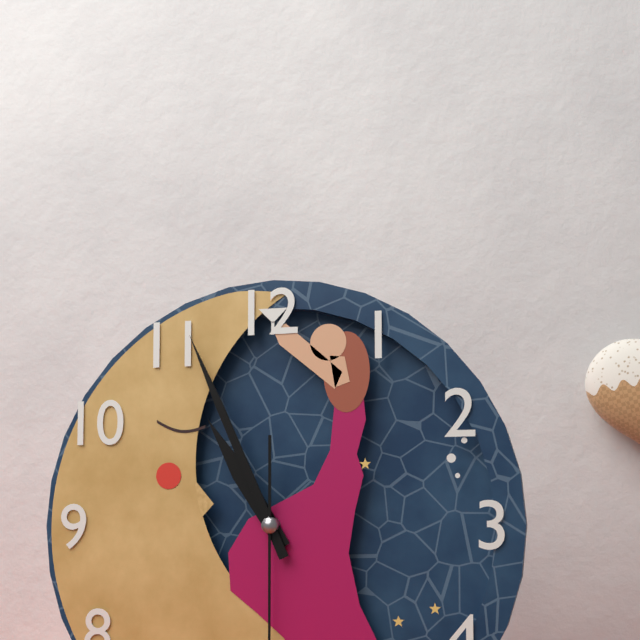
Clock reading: 10h56
